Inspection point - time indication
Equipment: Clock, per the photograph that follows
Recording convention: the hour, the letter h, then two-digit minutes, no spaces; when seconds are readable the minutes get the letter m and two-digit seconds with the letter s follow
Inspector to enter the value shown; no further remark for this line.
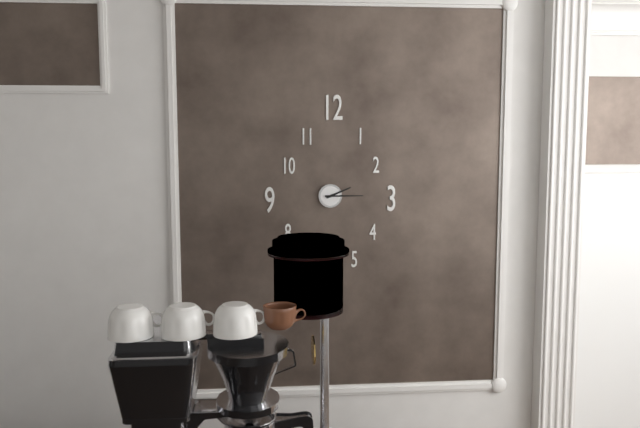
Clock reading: 2h15
